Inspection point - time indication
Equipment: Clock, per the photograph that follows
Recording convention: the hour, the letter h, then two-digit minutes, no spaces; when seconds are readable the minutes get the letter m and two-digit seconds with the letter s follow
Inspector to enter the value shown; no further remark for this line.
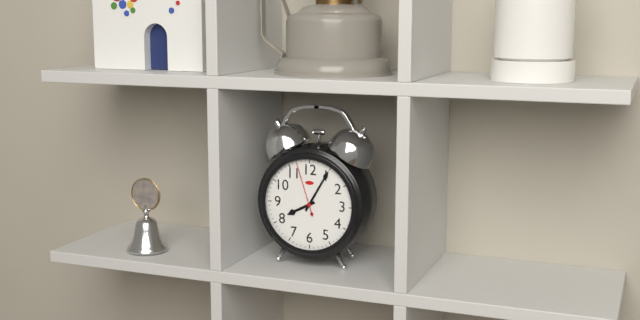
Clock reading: 8h05m57s
